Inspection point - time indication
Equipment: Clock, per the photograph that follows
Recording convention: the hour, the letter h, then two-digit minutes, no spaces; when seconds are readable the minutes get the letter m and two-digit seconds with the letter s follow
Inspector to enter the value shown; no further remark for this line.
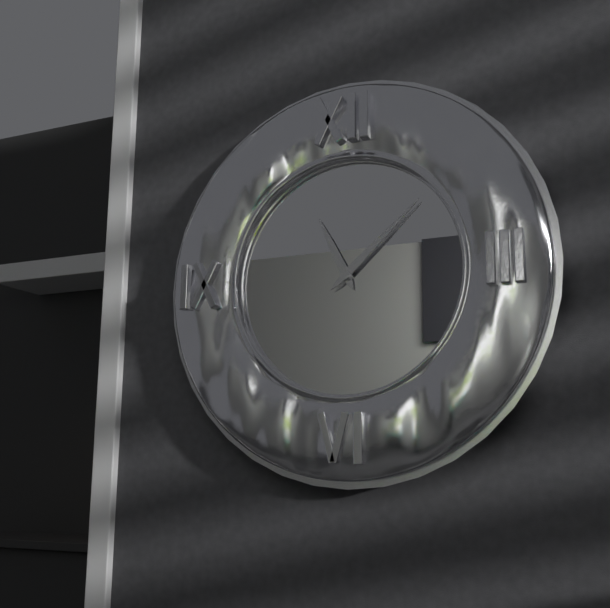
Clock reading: 11h08
